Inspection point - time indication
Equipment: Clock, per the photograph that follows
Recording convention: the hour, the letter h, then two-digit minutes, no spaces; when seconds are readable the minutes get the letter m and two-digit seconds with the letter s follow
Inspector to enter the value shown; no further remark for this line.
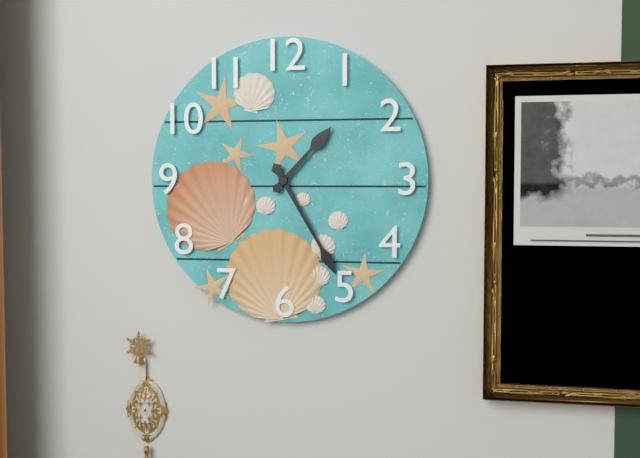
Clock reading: 1h25
